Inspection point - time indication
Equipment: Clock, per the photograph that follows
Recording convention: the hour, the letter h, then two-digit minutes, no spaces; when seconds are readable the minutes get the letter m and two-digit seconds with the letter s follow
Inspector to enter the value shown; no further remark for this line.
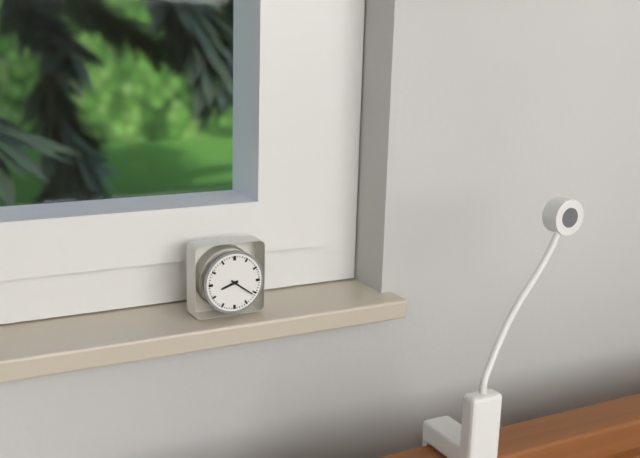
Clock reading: 8h21
